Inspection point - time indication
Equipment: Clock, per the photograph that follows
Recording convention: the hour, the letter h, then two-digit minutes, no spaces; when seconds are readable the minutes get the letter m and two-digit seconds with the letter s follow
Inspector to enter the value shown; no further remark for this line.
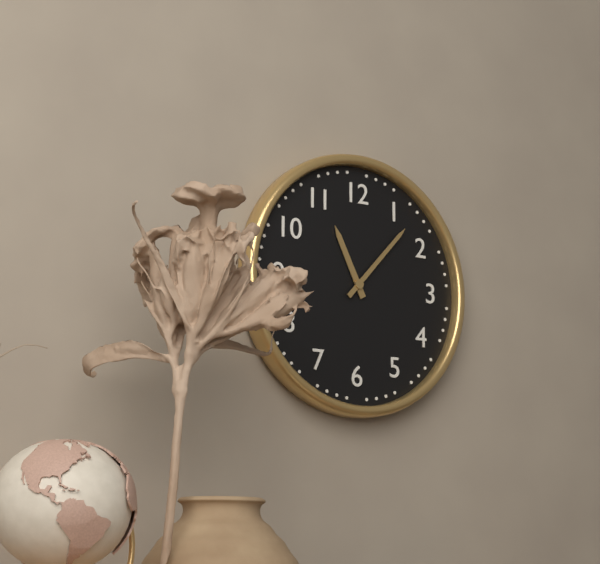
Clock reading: 11h07
